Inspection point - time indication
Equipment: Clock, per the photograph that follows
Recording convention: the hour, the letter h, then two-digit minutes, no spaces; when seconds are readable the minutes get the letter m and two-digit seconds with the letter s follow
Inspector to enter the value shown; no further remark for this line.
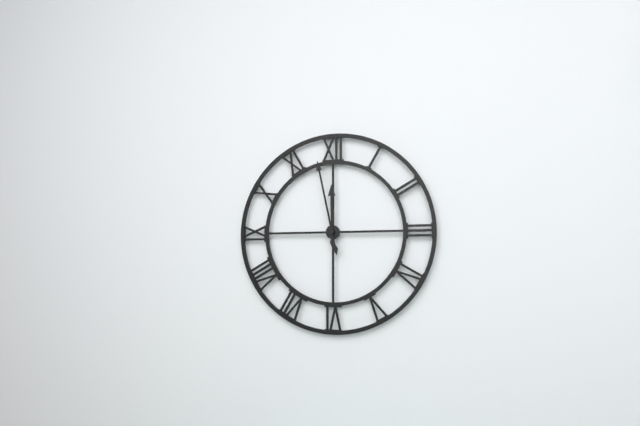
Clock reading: 11h58
